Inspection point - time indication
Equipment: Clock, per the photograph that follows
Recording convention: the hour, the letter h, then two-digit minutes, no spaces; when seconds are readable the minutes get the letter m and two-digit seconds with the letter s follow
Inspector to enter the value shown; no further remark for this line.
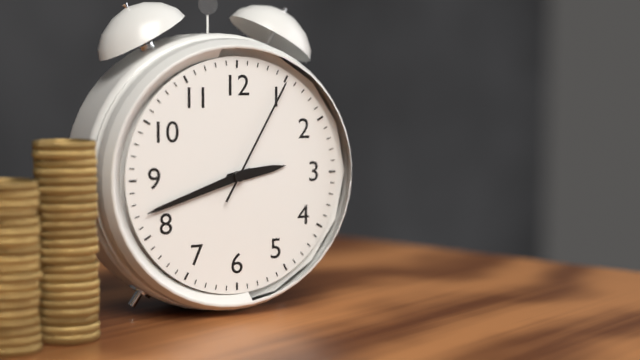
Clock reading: 2h42m05s
